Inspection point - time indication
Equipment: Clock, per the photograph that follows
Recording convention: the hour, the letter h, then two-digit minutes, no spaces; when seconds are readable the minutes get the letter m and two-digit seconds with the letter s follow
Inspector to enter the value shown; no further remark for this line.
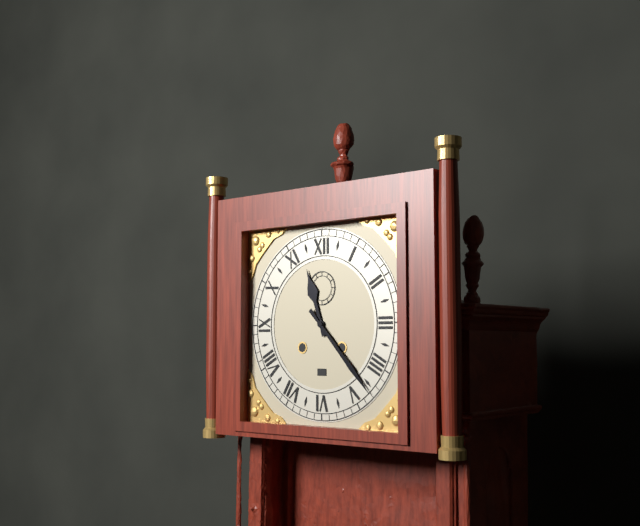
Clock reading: 11h23
